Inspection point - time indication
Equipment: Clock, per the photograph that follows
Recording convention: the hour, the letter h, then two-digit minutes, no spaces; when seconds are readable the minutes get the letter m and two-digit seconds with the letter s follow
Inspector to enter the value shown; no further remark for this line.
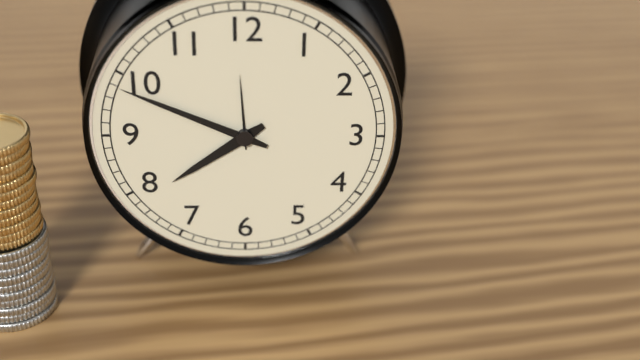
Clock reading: 7h49
